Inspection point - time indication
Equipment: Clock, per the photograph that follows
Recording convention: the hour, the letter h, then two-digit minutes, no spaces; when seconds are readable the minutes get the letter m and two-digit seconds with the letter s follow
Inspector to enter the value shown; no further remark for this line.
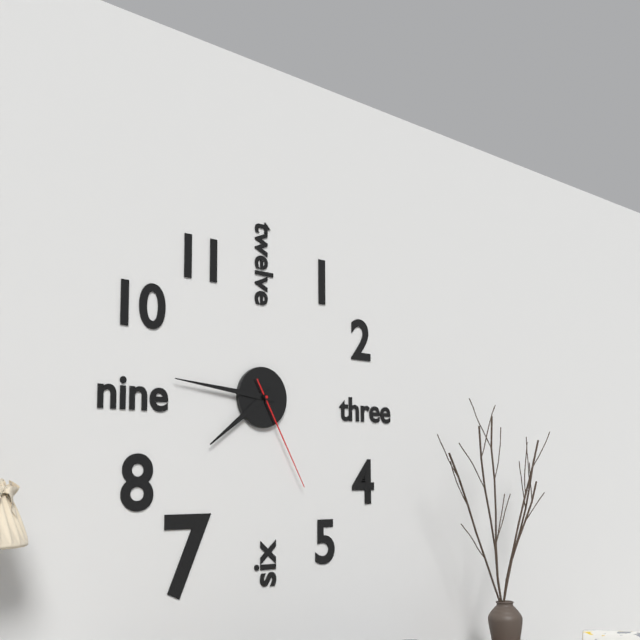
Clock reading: 7h46m25s
